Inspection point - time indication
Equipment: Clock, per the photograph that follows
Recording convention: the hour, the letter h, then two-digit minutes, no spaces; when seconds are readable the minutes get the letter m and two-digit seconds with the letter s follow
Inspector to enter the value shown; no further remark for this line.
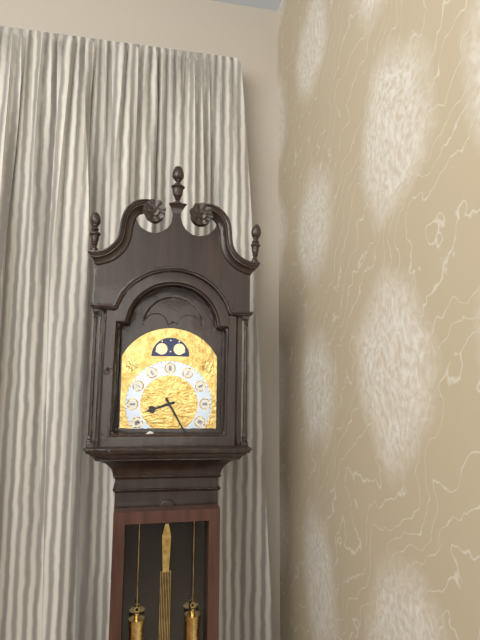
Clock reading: 8h25
